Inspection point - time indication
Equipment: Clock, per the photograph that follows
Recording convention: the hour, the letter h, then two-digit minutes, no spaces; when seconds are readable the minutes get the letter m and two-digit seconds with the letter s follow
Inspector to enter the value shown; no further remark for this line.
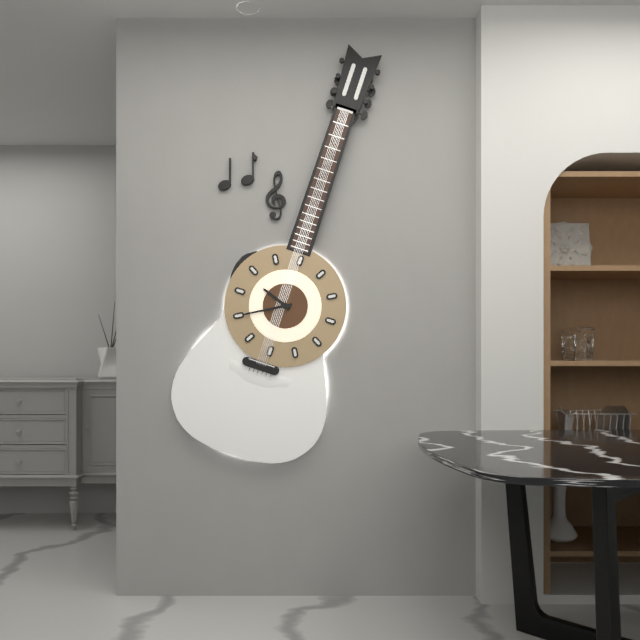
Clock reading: 9h40
